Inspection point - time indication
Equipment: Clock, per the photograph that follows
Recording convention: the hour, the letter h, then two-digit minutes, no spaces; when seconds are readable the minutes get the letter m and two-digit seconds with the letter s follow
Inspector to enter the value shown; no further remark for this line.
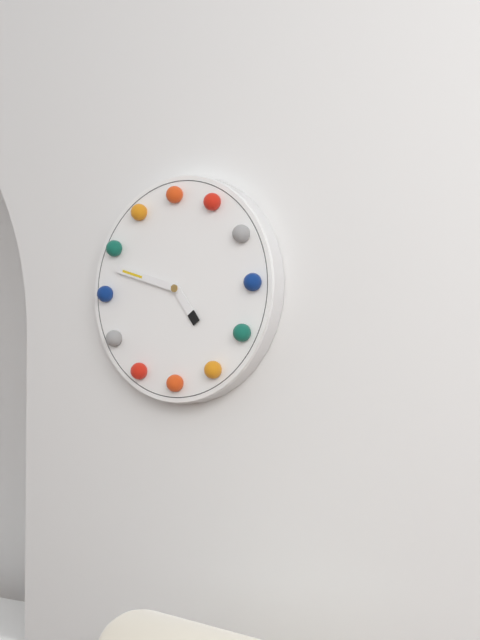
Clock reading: 4h48
